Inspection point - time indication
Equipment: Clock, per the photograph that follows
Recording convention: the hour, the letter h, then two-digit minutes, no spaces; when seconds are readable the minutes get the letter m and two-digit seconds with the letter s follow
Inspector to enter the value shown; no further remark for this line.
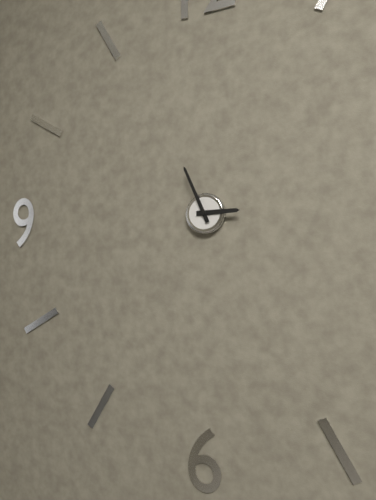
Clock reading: 2h56
